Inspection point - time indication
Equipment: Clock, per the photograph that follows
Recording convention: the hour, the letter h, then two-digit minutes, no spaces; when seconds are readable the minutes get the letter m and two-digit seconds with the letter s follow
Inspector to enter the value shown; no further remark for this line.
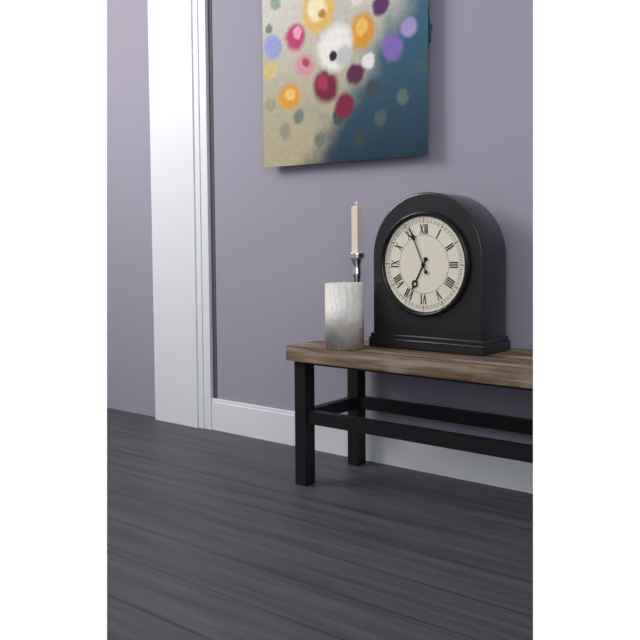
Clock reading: 6h56
